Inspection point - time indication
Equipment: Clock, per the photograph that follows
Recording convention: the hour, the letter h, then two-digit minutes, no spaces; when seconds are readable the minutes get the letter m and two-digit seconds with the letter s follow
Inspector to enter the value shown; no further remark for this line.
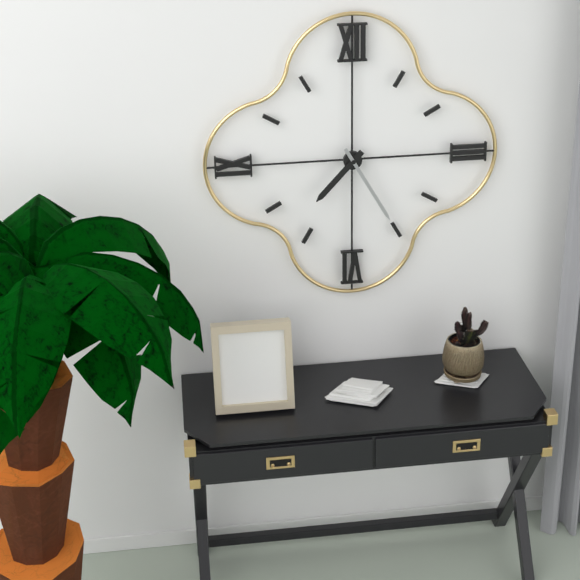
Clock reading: 7h25
